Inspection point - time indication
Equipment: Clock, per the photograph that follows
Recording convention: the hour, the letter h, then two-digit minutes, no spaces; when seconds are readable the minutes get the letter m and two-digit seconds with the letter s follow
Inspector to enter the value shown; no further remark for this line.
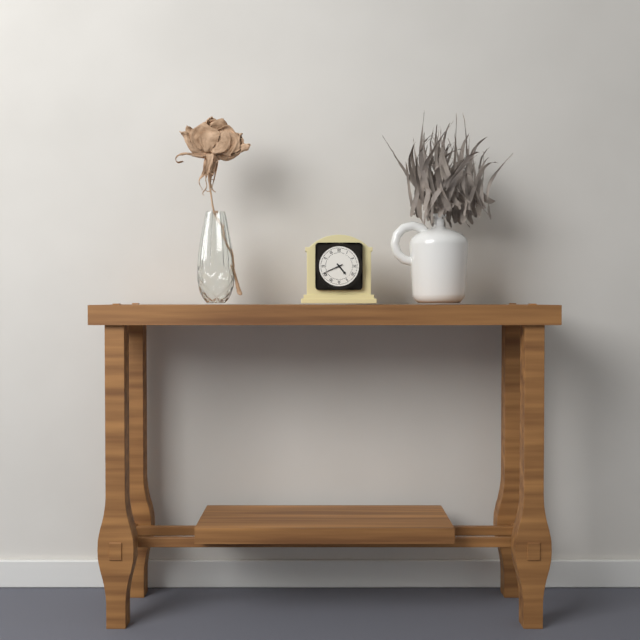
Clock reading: 4h41
